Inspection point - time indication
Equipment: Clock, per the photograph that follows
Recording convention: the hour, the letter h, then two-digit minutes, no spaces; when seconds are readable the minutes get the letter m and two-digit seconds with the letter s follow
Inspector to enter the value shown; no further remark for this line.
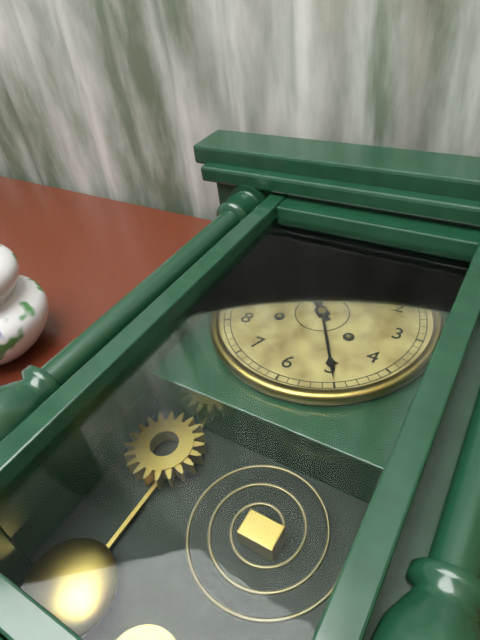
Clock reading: 10h25
